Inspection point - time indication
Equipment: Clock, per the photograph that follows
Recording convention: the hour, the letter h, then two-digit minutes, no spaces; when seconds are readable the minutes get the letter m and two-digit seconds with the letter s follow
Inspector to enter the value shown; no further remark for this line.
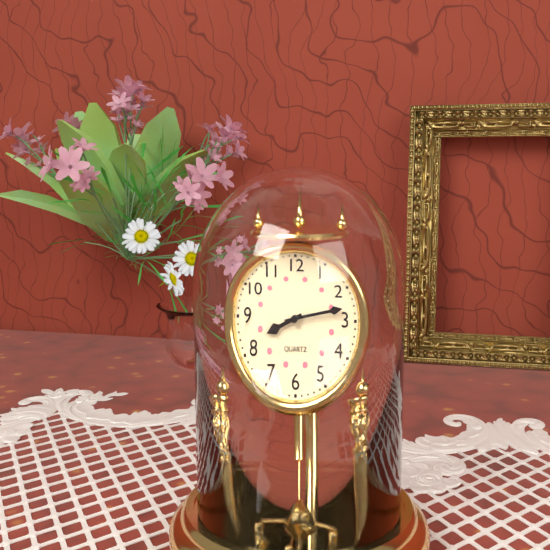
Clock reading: 8h13
